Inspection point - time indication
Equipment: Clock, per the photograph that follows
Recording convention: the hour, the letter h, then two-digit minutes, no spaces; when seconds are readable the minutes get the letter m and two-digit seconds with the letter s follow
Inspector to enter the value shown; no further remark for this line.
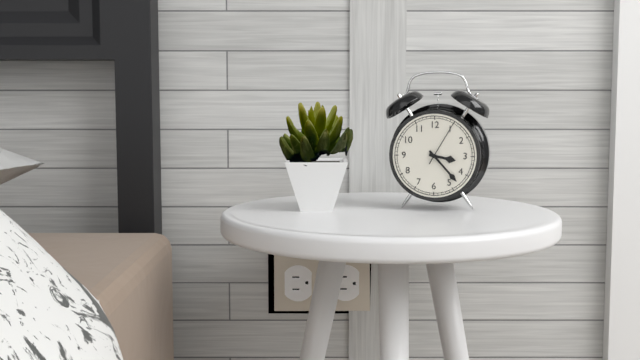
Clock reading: 3h23
